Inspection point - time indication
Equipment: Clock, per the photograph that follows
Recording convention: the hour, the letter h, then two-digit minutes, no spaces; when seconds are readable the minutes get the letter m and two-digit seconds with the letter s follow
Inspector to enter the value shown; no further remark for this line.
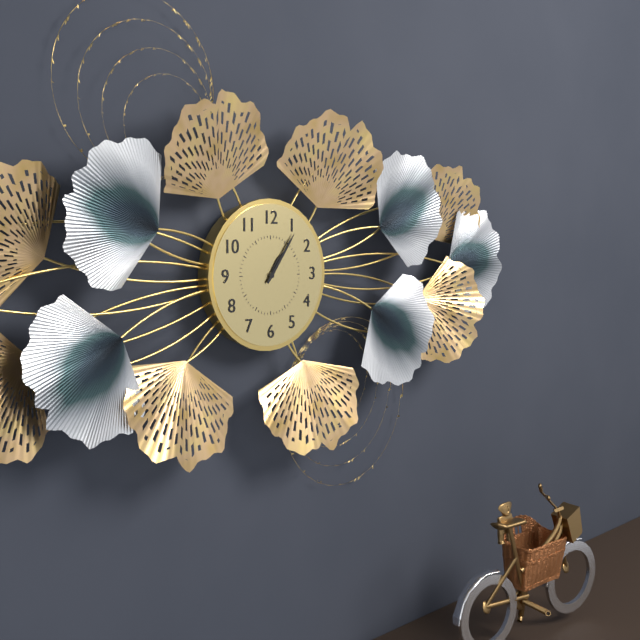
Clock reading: 1h06
